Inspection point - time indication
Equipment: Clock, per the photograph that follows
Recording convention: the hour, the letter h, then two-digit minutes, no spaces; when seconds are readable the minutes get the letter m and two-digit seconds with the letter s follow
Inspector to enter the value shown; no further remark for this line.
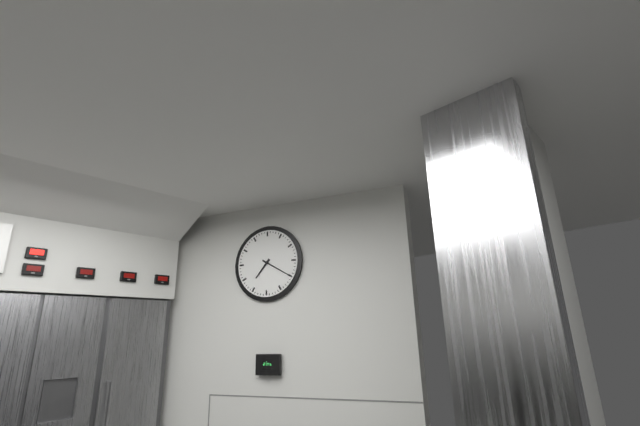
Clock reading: 7h20
